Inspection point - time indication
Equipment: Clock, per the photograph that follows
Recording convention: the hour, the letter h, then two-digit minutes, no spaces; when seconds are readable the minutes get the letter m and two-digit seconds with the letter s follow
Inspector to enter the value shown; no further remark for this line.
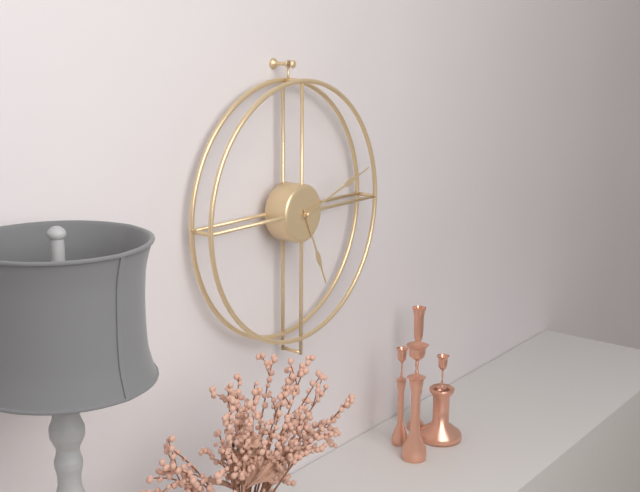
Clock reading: 5h12
